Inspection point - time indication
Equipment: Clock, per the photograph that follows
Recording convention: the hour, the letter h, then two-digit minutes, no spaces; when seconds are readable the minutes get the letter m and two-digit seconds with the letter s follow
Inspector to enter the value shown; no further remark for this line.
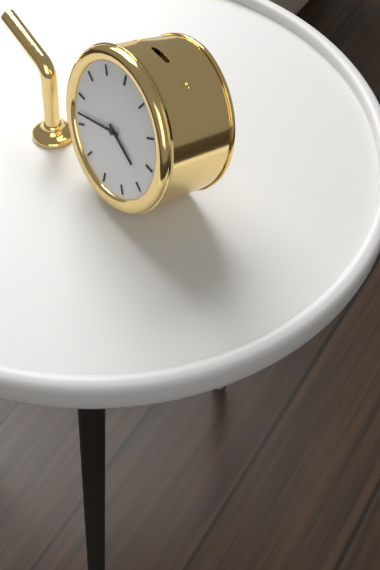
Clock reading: 3h42
